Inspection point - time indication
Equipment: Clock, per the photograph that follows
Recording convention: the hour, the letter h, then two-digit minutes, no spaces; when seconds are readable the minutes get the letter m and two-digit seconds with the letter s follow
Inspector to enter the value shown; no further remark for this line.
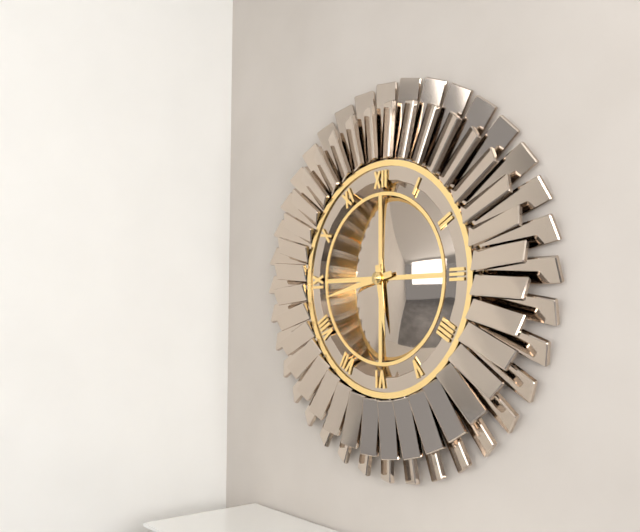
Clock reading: 5h43
